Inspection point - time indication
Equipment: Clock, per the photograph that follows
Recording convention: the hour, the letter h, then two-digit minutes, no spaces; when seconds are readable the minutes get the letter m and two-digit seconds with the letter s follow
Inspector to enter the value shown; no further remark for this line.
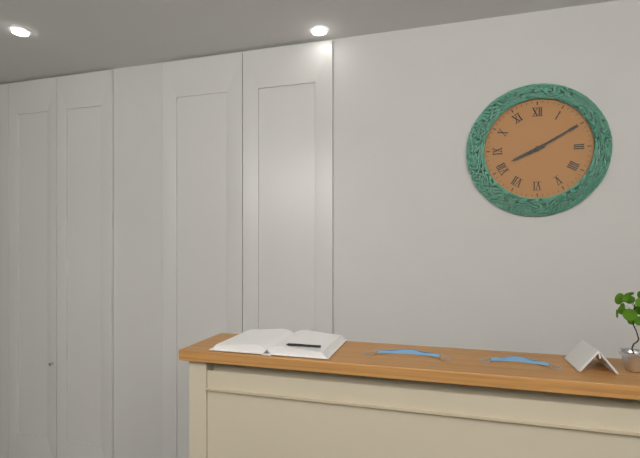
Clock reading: 8h10
